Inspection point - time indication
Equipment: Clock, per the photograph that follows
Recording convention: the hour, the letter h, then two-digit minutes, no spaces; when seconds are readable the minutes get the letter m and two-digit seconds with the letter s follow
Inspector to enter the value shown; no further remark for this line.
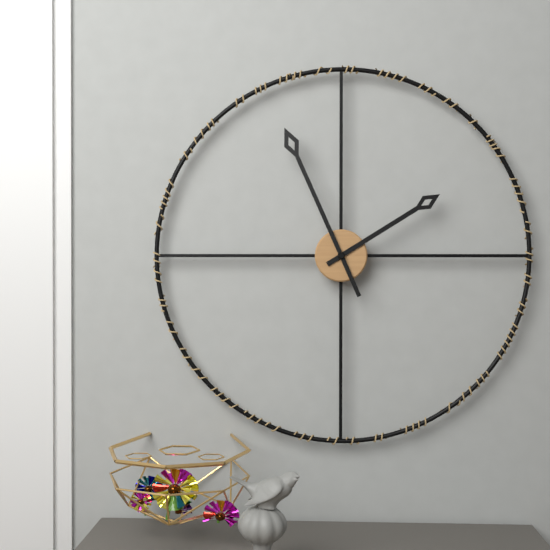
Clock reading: 1h56
